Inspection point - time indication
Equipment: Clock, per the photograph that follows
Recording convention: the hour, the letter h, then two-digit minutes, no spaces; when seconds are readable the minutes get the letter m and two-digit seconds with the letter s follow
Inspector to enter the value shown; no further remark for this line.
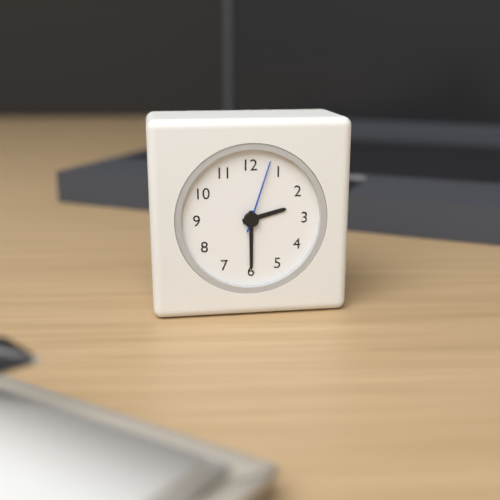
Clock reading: 2h30m03s
